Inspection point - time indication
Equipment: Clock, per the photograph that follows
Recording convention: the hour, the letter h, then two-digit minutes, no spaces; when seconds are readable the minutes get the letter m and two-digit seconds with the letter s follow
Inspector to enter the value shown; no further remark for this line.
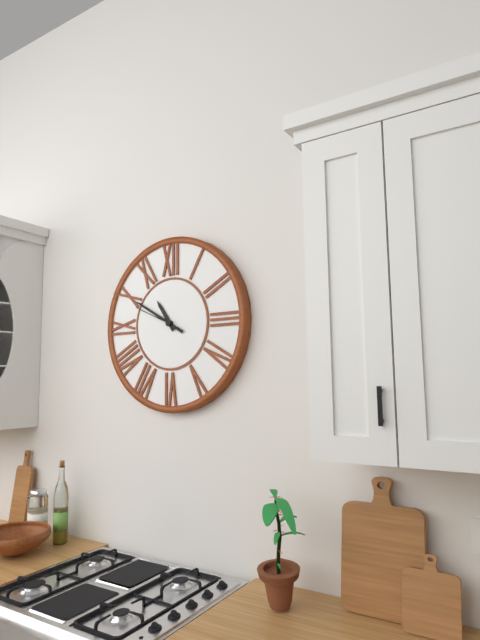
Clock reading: 10h50m49s
